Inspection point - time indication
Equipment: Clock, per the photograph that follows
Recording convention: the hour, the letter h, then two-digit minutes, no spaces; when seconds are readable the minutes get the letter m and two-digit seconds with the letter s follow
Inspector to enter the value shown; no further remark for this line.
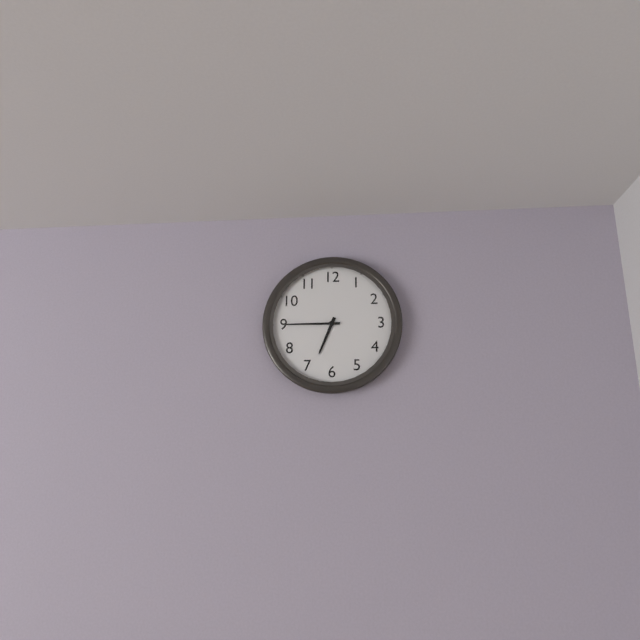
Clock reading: 6h45
